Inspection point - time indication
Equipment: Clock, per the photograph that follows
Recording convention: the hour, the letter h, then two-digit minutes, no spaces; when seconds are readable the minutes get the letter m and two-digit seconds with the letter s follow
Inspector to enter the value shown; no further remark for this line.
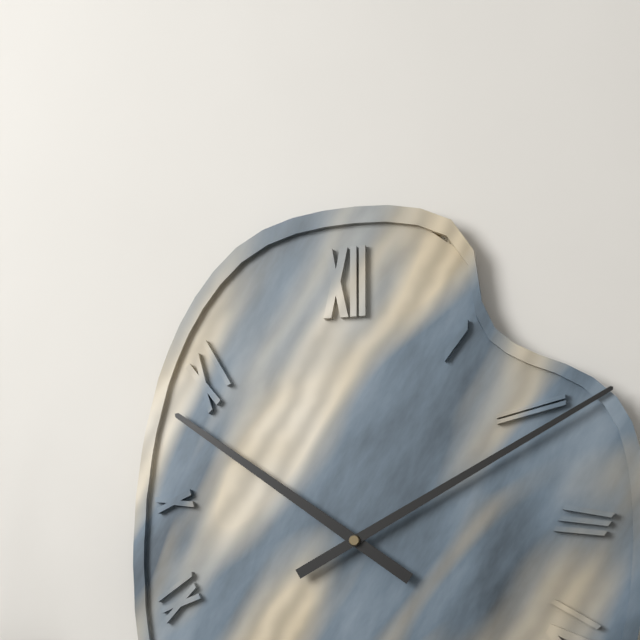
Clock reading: 10h10
